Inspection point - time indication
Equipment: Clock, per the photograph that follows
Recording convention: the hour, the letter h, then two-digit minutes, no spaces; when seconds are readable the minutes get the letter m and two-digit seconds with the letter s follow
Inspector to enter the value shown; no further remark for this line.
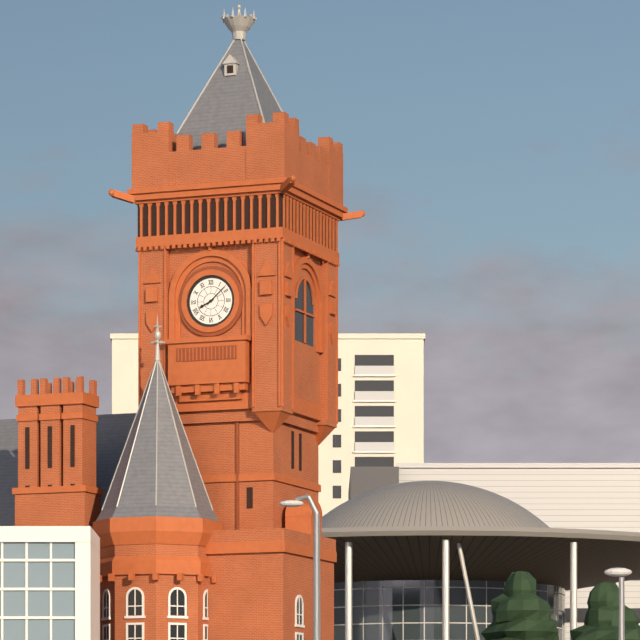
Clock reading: 8h08
